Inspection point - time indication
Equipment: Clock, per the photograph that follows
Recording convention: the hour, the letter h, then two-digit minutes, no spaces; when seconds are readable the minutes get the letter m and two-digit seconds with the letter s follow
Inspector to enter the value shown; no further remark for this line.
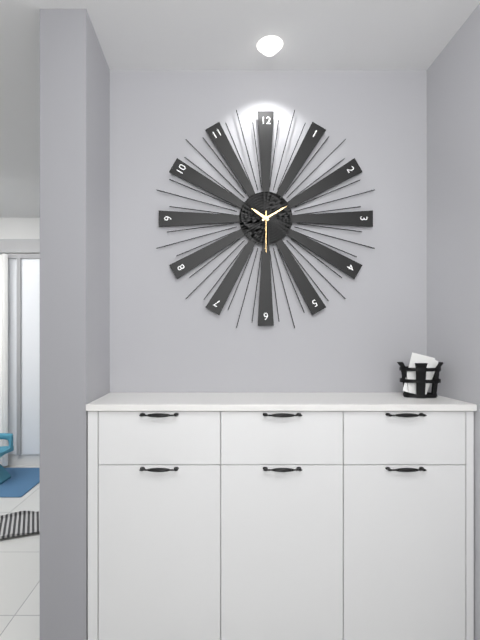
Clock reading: 10h10
